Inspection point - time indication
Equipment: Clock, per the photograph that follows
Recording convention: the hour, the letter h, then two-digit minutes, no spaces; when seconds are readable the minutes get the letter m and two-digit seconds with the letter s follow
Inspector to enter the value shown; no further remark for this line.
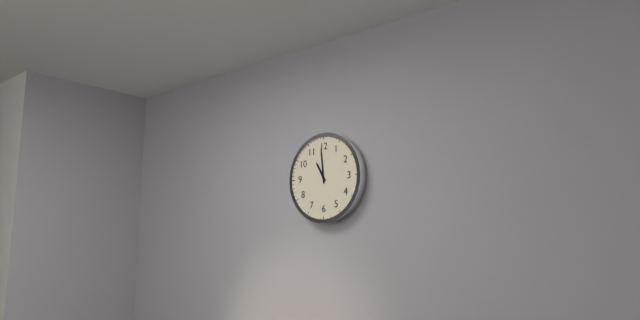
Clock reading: 10h59
